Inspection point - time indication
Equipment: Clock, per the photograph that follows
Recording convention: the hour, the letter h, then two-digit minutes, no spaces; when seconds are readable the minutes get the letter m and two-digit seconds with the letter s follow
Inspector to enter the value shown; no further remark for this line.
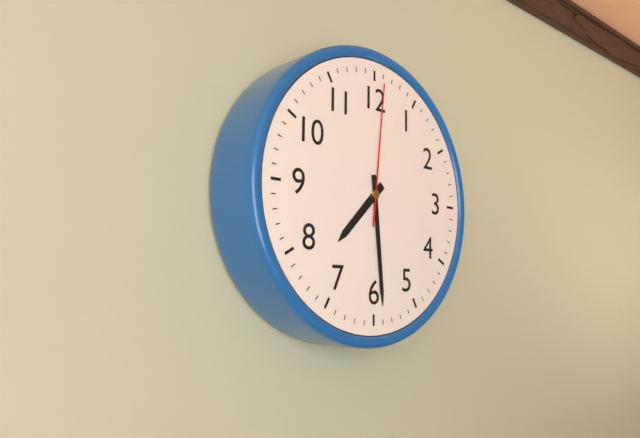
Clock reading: 7h29m01s
